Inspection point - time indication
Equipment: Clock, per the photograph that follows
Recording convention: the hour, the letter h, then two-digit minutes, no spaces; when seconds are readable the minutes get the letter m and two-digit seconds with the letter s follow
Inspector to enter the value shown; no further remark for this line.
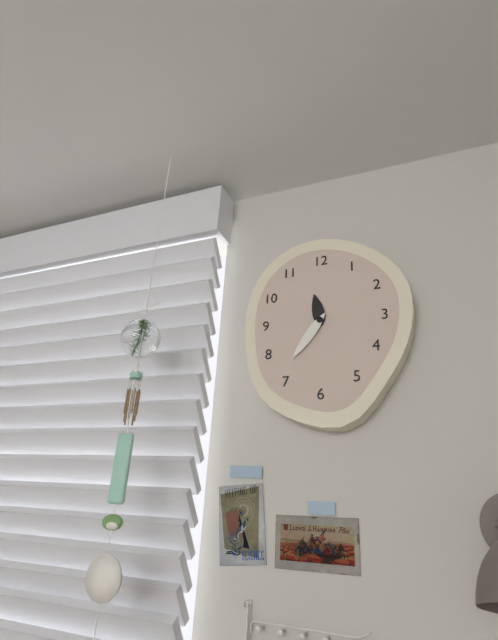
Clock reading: 11h36
